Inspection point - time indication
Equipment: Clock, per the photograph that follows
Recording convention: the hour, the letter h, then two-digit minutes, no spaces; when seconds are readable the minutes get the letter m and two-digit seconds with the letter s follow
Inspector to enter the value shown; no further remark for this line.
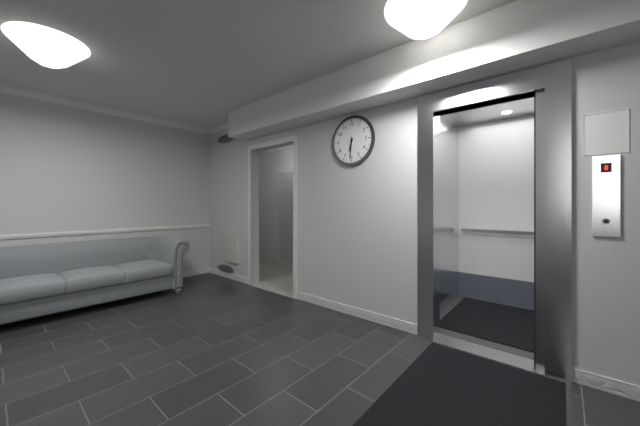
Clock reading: 6h31
